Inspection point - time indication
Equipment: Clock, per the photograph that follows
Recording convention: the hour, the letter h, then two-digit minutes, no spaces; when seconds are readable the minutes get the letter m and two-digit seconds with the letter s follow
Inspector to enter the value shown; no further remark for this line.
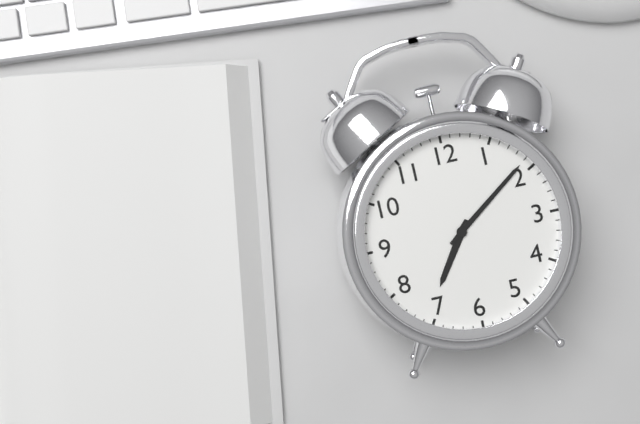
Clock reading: 7h09
